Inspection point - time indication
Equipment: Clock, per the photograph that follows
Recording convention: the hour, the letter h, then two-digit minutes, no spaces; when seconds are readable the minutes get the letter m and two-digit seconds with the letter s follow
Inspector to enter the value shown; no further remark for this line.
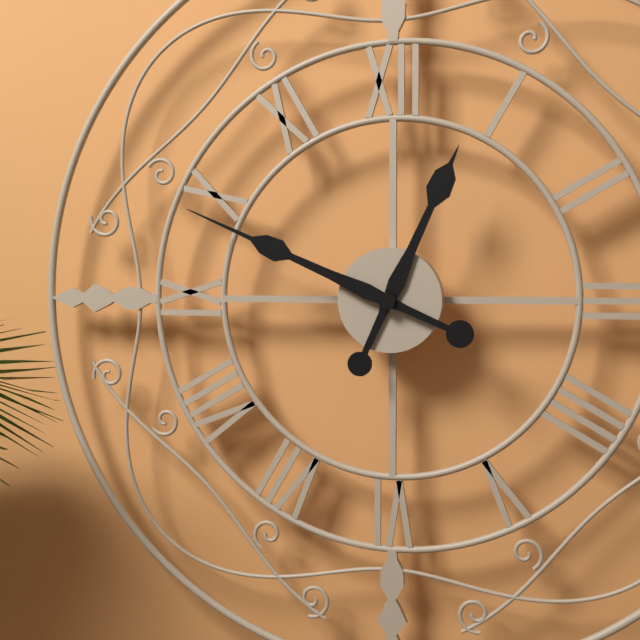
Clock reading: 12h49
